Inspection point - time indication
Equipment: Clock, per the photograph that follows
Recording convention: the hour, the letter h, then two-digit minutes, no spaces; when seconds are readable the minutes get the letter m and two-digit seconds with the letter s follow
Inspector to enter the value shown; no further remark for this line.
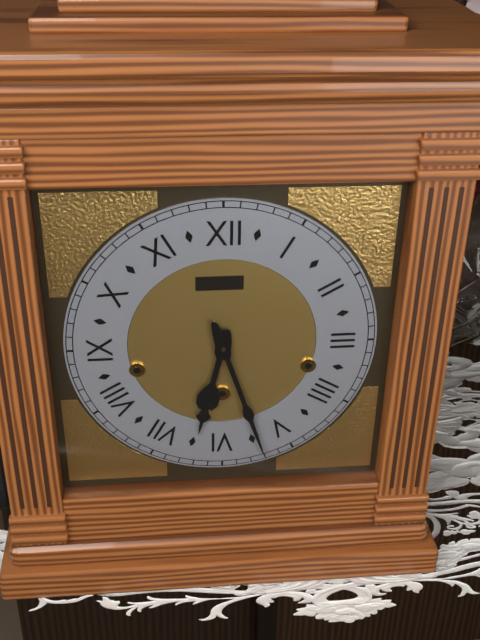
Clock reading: 6h27
